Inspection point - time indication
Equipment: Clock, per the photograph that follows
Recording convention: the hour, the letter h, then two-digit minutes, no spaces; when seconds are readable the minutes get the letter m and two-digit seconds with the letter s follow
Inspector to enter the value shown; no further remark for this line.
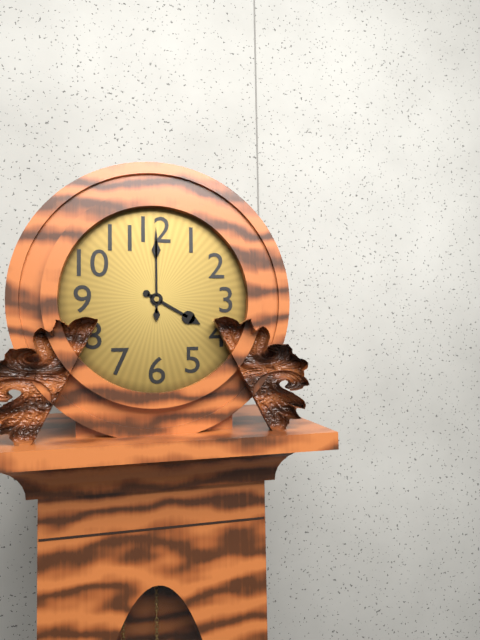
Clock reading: 4h00
